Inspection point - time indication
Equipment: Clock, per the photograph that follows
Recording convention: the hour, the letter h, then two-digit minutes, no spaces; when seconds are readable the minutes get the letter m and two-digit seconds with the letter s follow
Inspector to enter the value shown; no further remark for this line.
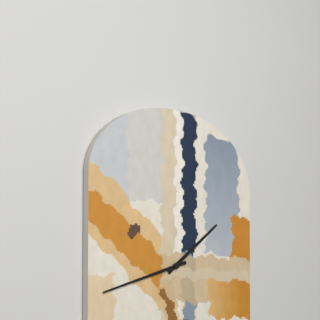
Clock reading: 1h42
